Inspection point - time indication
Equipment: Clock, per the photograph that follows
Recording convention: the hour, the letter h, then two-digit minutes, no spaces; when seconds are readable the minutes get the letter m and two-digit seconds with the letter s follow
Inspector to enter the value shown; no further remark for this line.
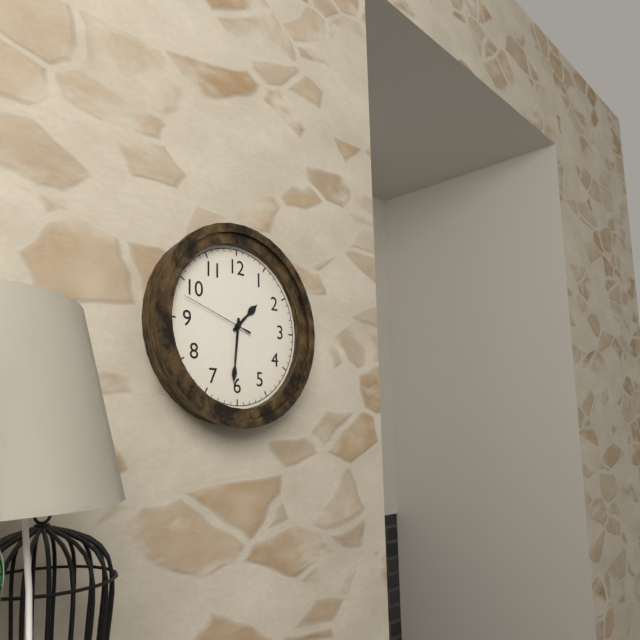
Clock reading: 1h31m48s
